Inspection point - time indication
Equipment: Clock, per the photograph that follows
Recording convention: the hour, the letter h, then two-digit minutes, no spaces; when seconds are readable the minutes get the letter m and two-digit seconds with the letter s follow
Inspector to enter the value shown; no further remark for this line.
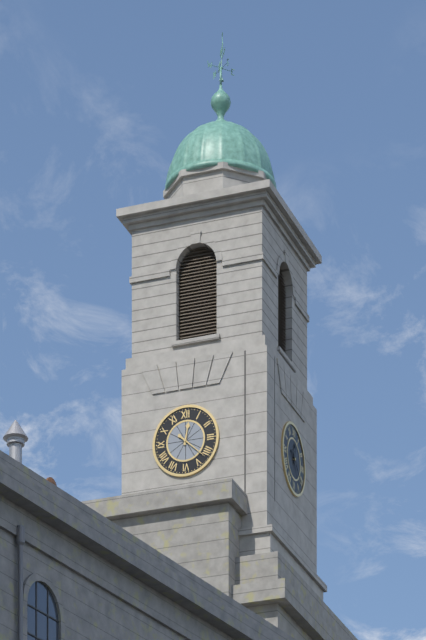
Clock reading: 12h22
